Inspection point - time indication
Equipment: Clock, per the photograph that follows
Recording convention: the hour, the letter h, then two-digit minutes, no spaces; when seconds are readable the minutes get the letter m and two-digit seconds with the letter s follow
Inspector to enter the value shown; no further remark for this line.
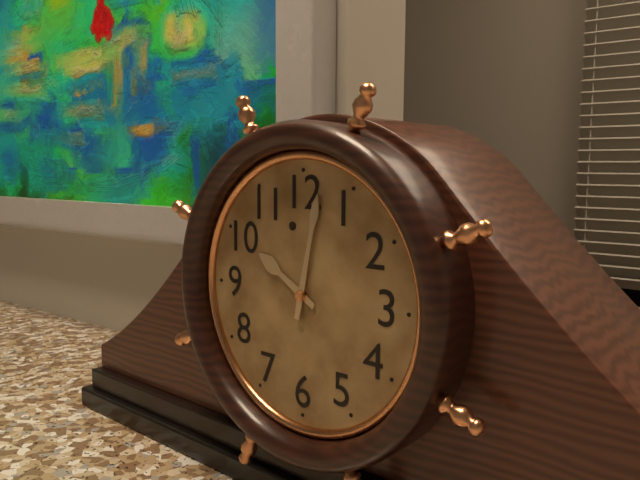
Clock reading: 10h02
